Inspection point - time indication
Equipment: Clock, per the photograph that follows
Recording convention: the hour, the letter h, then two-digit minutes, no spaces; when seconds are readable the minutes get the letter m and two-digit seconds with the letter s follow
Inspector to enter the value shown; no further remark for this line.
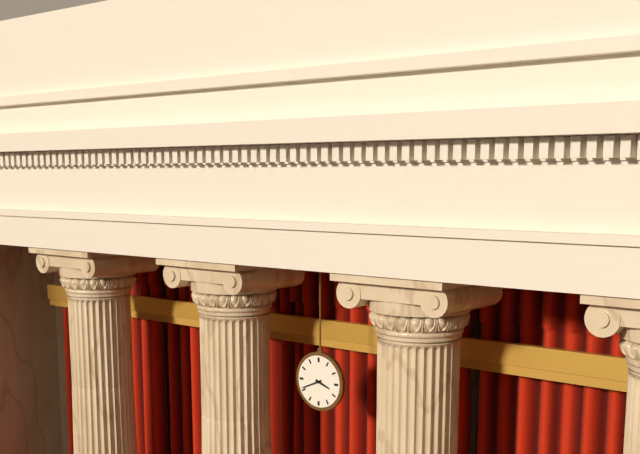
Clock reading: 3h41
